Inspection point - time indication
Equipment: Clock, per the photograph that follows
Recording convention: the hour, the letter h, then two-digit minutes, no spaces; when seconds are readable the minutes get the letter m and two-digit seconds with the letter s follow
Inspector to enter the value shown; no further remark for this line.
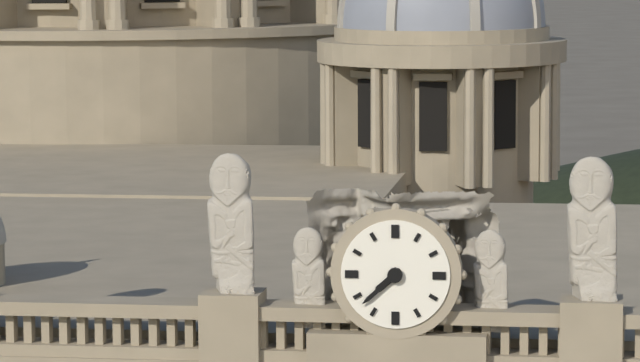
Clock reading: 7h38
